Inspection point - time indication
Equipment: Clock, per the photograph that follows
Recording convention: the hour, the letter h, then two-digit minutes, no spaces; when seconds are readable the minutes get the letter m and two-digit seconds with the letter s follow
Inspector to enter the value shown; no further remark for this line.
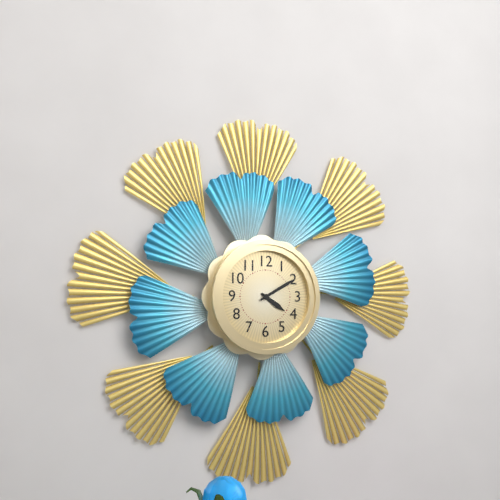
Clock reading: 4h10
